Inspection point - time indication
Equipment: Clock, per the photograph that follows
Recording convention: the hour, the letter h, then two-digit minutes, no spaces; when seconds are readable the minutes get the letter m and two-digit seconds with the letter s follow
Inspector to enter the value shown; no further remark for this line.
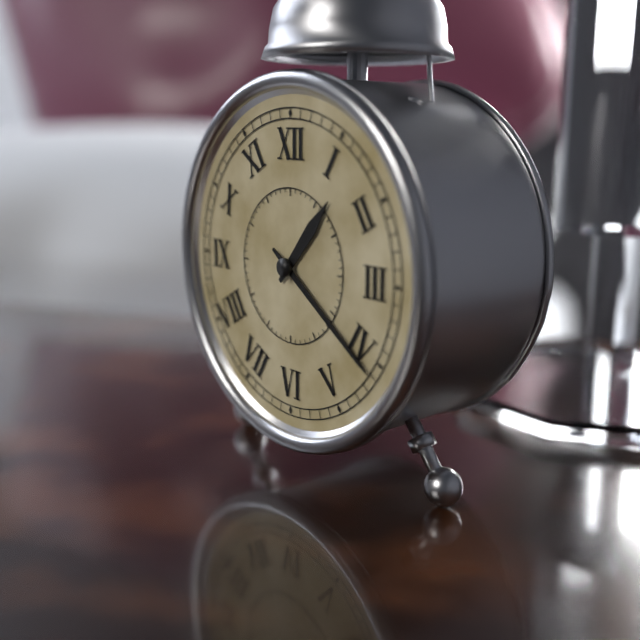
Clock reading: 1h21
